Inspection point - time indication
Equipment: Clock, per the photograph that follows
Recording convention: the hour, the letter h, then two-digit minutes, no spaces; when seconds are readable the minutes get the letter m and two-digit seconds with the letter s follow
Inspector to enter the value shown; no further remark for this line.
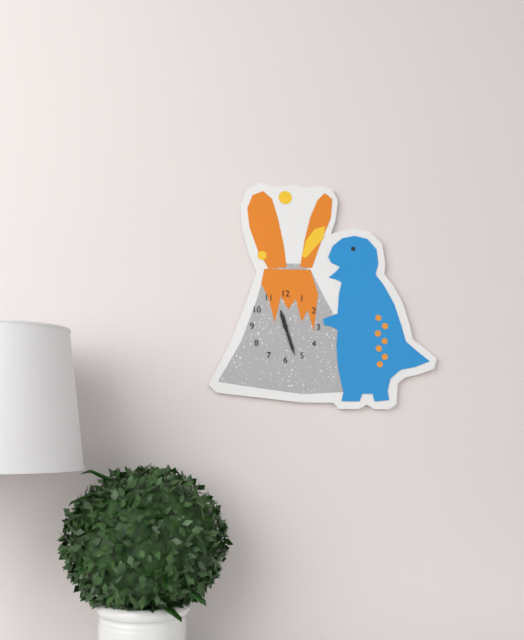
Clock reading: 11h27
